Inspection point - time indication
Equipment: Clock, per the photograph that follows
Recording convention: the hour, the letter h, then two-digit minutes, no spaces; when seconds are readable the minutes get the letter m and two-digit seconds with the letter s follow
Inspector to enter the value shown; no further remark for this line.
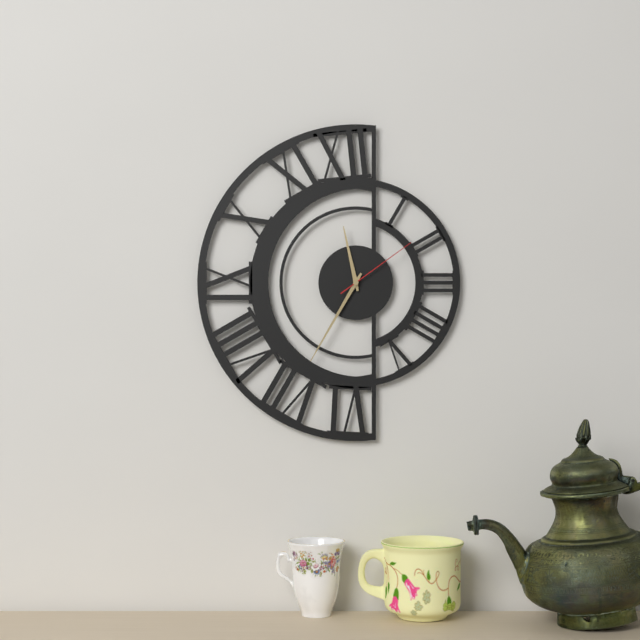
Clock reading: 11h35m09s
